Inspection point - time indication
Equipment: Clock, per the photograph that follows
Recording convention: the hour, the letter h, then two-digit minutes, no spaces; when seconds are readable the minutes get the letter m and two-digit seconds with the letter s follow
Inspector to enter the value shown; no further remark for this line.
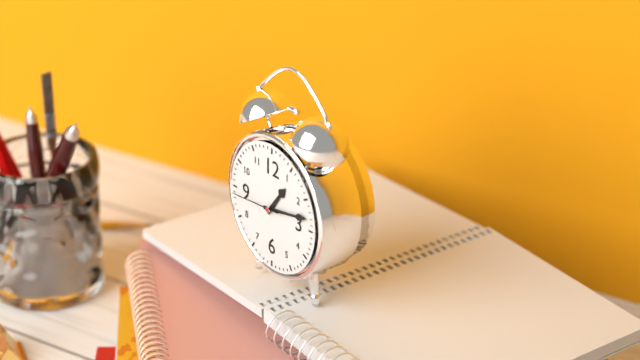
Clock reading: 1h13m44s
